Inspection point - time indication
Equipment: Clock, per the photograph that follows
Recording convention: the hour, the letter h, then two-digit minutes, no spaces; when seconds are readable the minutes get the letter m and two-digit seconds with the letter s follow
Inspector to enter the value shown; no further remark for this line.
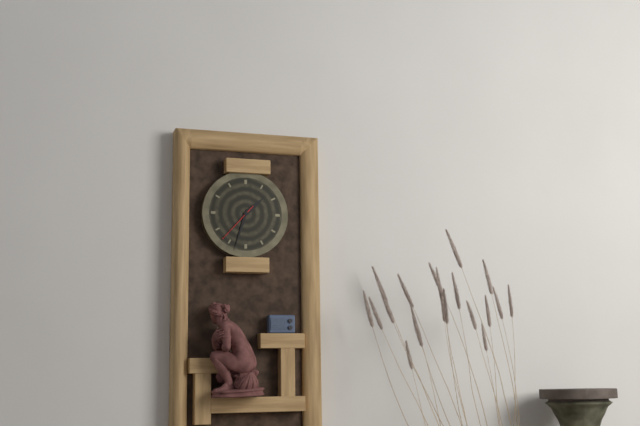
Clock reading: 1h33
